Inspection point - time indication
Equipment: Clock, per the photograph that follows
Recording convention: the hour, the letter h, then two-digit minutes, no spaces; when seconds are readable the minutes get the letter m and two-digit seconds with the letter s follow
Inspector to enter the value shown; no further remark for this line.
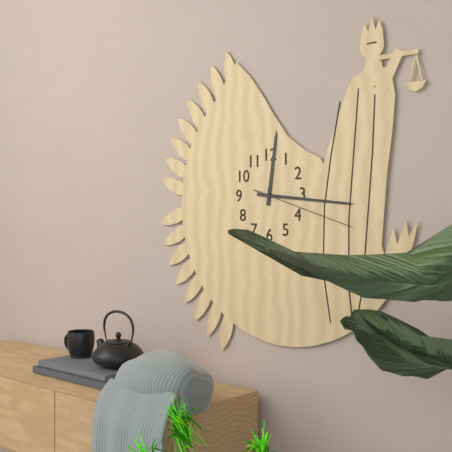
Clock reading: 12h16m18s
